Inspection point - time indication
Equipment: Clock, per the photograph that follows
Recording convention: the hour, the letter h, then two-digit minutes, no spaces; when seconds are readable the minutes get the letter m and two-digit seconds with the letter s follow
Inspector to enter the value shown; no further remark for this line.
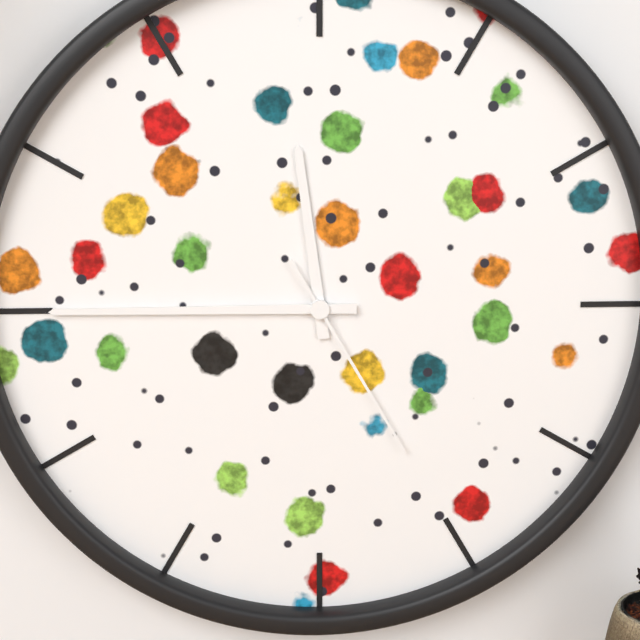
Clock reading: 11h45m25s
